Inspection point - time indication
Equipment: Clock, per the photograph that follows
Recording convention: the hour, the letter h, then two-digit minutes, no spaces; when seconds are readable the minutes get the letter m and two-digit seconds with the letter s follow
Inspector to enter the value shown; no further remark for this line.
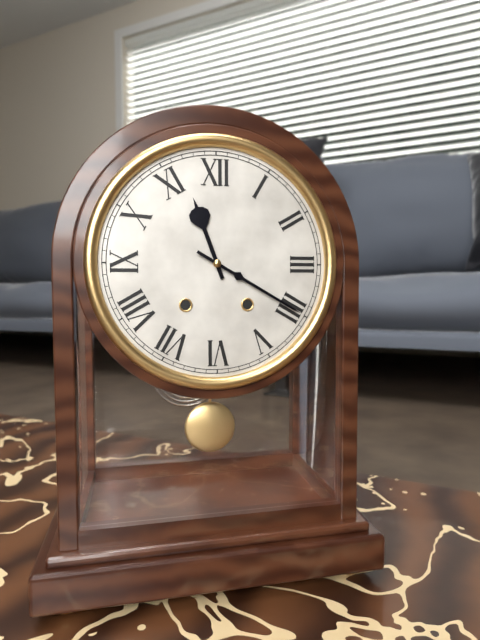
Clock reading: 11h20
